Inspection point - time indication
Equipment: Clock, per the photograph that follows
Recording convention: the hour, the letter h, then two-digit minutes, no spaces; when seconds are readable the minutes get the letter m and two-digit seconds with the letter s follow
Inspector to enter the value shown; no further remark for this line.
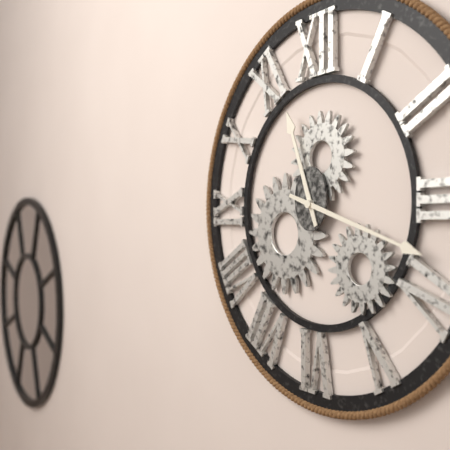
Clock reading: 11h18
